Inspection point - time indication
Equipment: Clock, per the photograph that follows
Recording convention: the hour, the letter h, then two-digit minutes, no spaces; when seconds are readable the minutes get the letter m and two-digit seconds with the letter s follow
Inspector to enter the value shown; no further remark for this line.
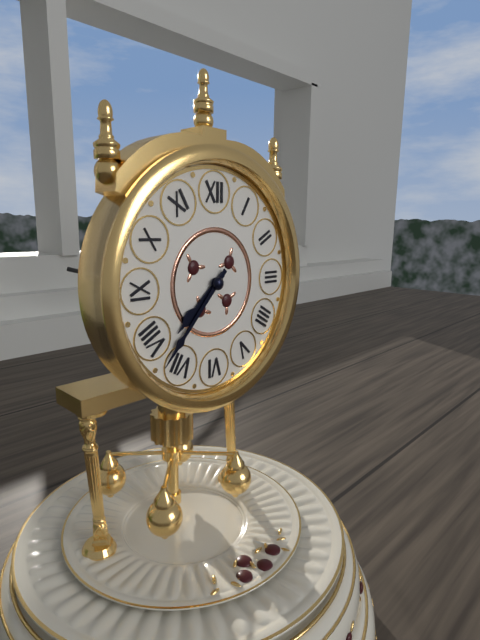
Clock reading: 7h37
